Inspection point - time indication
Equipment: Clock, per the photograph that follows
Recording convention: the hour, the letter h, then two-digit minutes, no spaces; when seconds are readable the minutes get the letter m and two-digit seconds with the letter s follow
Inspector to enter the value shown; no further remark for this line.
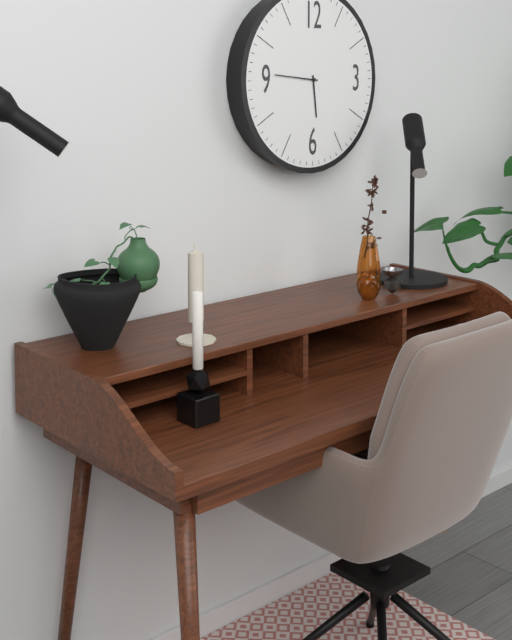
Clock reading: 5h46
